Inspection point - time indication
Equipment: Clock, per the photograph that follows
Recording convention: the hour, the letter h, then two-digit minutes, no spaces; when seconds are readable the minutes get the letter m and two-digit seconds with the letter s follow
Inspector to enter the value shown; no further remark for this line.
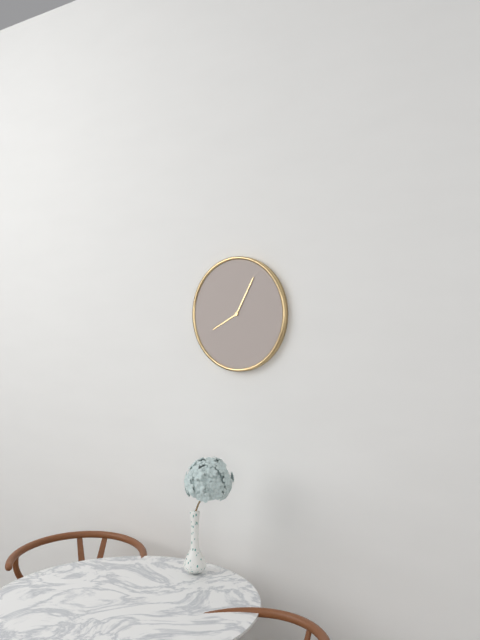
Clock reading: 8h05
